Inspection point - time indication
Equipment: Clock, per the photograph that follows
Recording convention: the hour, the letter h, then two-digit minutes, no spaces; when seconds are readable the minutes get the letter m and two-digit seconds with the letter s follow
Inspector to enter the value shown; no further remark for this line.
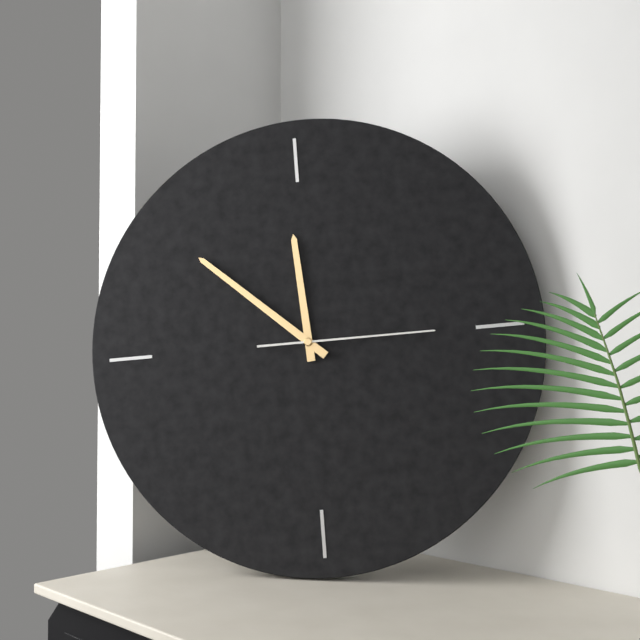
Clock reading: 11h52m15s
